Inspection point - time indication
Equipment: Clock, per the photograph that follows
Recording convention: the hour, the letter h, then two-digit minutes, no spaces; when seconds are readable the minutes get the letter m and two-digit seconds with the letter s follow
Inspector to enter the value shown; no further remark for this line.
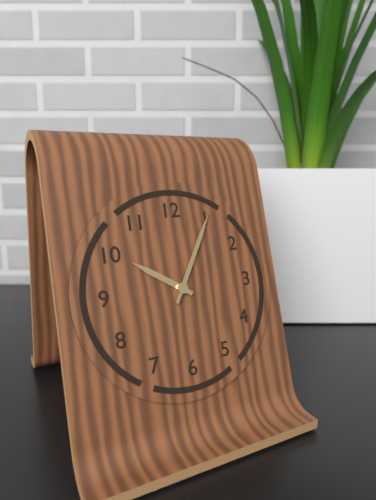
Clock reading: 10h05
